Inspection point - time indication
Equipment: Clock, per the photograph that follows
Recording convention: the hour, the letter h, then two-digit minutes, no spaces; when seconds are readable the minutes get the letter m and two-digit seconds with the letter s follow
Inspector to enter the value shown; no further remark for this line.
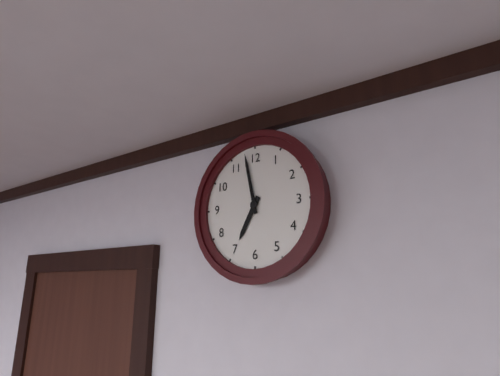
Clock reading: 6h58
